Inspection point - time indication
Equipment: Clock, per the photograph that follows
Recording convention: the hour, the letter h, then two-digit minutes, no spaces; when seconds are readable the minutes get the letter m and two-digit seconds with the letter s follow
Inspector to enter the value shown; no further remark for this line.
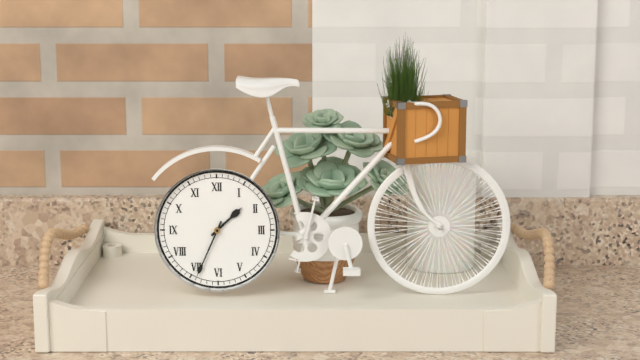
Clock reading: 1h34
